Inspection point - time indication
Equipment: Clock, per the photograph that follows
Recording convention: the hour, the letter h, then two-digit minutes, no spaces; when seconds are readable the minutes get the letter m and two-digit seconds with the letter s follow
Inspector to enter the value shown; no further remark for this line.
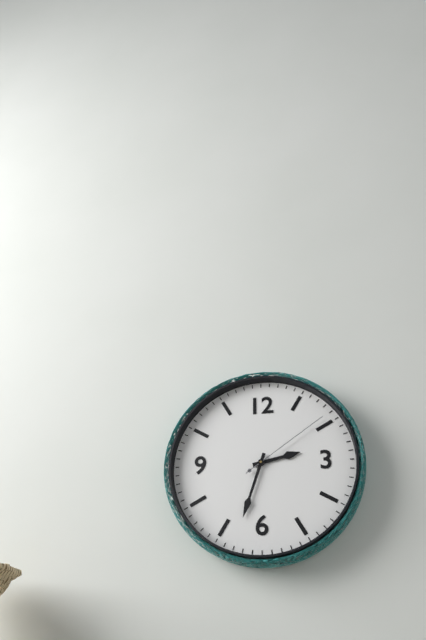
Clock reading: 2h33m09s
